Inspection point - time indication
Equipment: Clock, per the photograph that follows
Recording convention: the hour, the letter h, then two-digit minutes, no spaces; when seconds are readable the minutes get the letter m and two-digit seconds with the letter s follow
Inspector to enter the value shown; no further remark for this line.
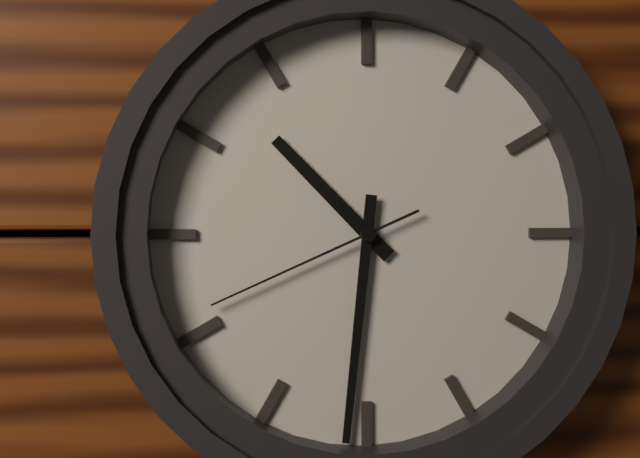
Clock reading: 10h31m41s
